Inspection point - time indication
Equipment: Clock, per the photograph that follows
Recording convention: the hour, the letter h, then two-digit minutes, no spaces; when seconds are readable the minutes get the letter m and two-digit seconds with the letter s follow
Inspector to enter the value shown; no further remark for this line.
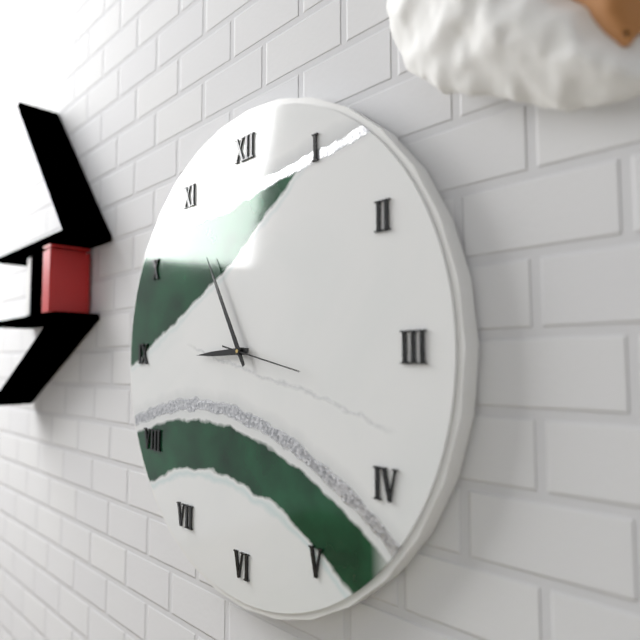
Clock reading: 8h55m17s
